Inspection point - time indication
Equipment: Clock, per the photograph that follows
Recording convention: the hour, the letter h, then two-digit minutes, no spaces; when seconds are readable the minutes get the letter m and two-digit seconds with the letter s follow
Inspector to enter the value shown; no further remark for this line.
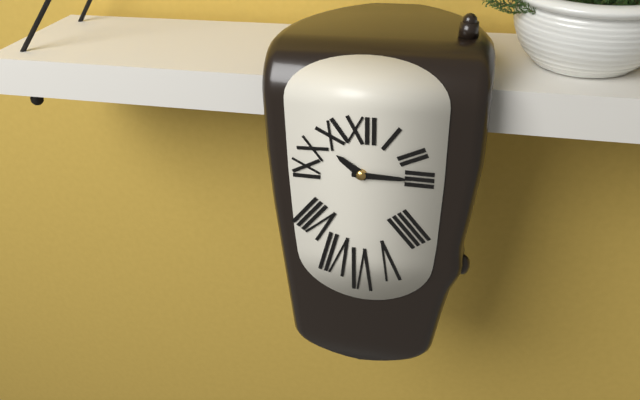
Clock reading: 10h15
